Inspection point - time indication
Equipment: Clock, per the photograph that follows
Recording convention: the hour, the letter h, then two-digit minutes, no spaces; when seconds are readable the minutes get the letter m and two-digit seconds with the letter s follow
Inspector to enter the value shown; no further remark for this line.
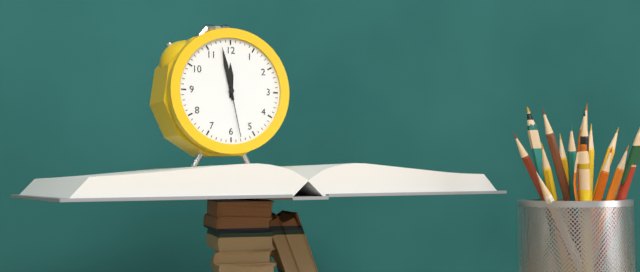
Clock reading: 11h58m28s
